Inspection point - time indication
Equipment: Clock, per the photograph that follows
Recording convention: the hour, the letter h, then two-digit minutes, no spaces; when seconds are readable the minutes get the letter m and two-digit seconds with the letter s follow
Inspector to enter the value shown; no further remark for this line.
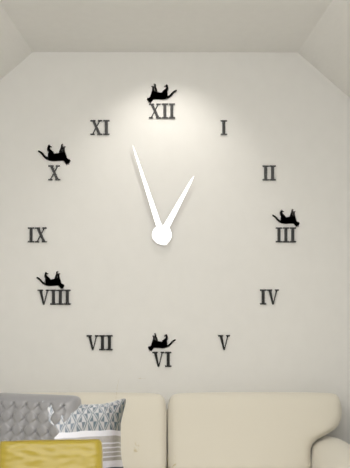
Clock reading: 12h57
